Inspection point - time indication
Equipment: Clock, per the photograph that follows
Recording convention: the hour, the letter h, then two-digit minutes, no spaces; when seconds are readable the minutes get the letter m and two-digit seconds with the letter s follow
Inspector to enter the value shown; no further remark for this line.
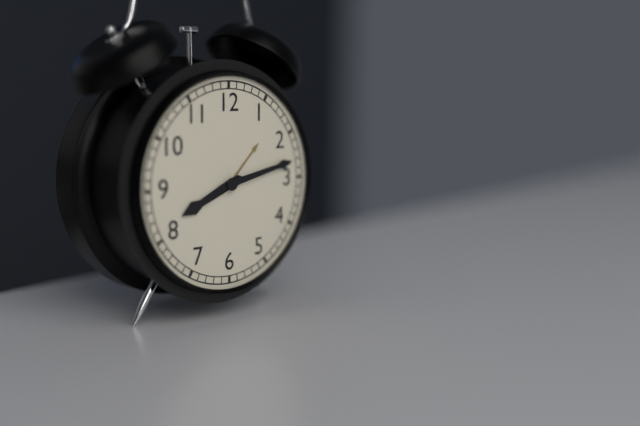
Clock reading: 8h13
